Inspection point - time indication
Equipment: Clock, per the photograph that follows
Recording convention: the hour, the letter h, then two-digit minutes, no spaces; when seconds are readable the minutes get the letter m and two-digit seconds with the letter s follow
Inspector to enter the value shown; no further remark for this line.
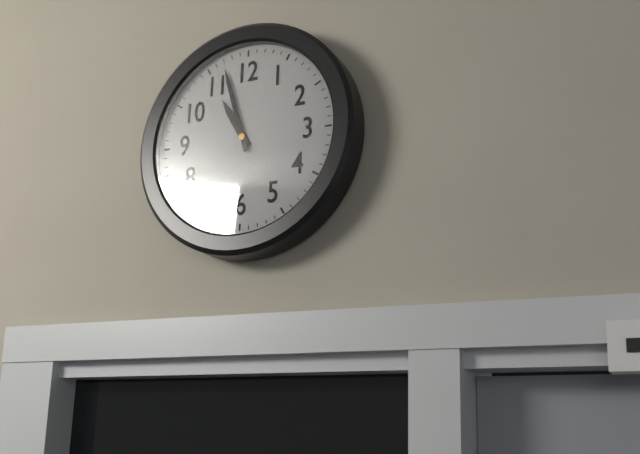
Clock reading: 10h57
